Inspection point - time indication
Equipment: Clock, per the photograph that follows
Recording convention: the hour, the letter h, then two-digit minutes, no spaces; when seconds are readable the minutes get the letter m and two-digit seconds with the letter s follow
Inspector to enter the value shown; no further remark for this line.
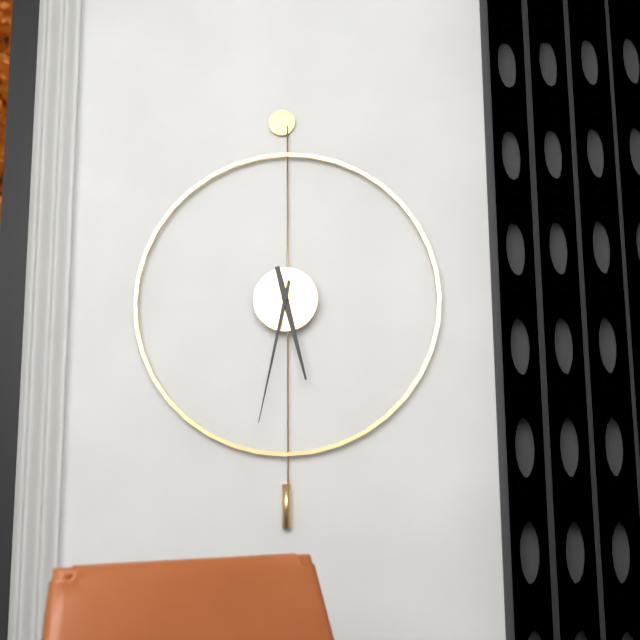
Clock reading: 5h32
